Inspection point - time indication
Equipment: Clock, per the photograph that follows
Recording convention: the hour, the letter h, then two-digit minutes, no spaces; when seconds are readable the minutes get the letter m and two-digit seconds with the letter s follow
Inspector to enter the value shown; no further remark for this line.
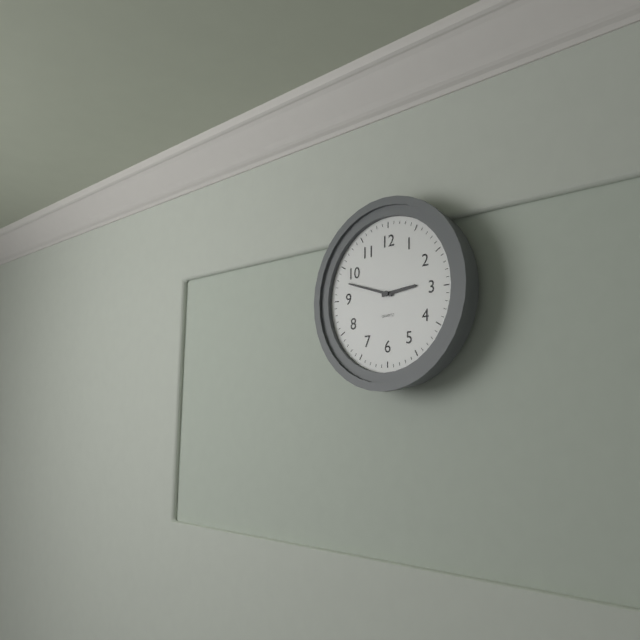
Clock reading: 2h48
